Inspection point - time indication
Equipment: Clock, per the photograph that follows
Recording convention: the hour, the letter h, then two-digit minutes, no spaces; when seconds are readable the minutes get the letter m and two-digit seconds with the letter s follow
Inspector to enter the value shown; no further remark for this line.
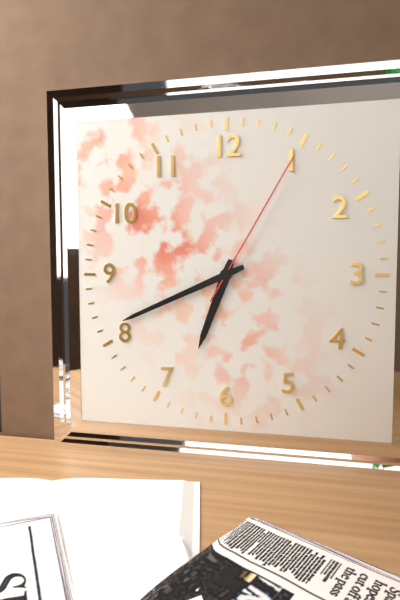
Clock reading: 6h41m05s
